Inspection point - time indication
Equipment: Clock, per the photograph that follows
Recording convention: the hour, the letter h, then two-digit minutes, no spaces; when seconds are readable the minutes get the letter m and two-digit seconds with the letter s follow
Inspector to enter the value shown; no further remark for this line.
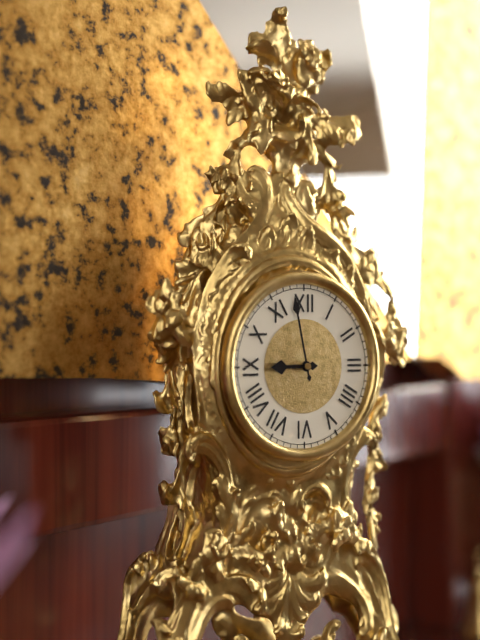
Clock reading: 8h58
